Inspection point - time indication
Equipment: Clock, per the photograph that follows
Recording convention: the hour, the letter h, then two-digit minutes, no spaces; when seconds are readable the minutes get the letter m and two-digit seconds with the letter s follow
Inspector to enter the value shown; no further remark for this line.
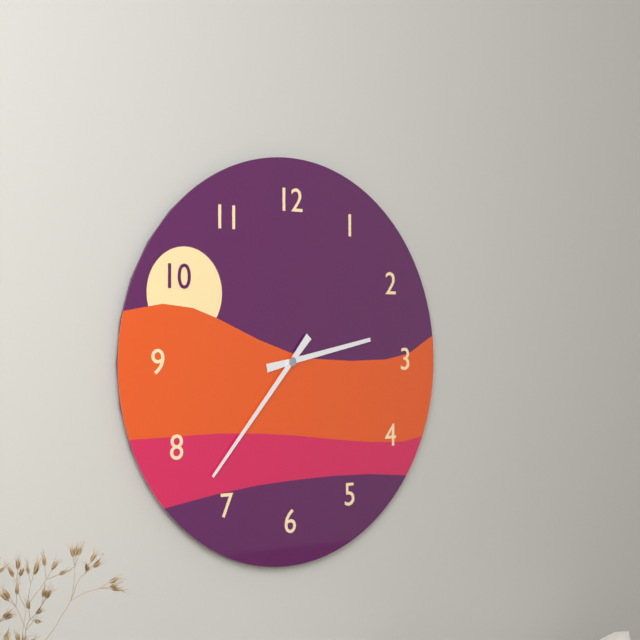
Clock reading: 2h37
